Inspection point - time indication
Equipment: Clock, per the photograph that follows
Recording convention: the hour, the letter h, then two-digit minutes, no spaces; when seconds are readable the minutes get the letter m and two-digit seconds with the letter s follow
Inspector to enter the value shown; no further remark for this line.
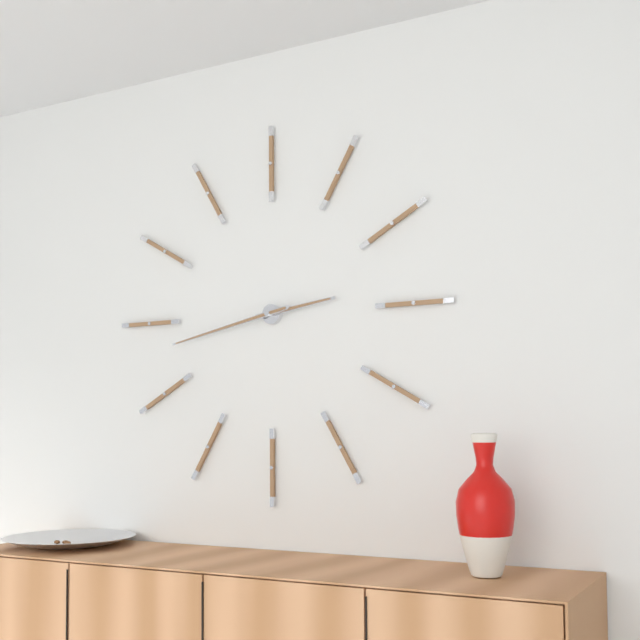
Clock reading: 2h43
